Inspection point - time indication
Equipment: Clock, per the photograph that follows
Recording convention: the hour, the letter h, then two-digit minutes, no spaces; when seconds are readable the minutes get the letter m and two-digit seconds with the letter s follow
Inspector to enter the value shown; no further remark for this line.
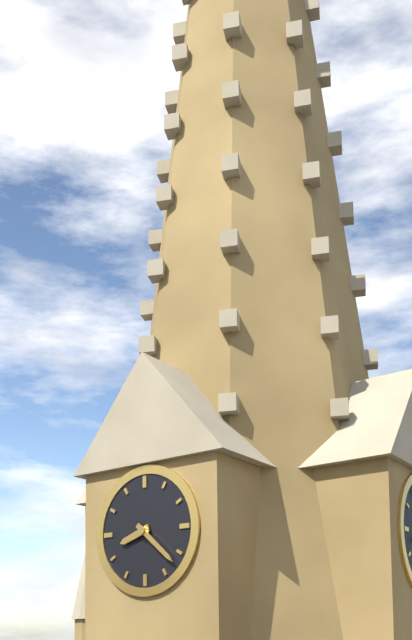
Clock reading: 8h22
